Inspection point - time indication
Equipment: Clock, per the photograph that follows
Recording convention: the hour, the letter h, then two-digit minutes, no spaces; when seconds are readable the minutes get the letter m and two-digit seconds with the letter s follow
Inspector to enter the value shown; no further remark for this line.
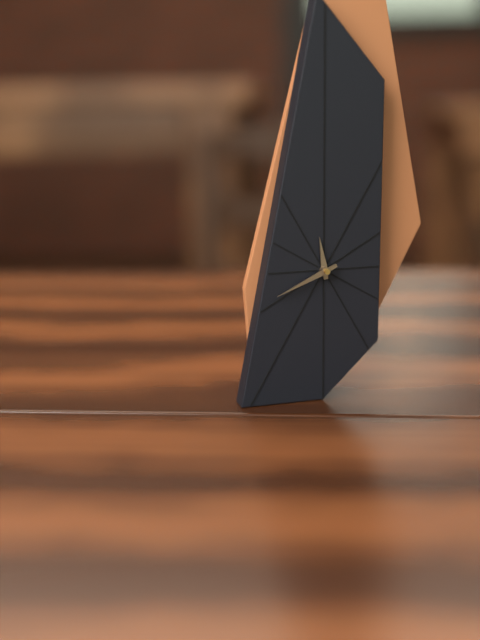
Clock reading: 11h41
